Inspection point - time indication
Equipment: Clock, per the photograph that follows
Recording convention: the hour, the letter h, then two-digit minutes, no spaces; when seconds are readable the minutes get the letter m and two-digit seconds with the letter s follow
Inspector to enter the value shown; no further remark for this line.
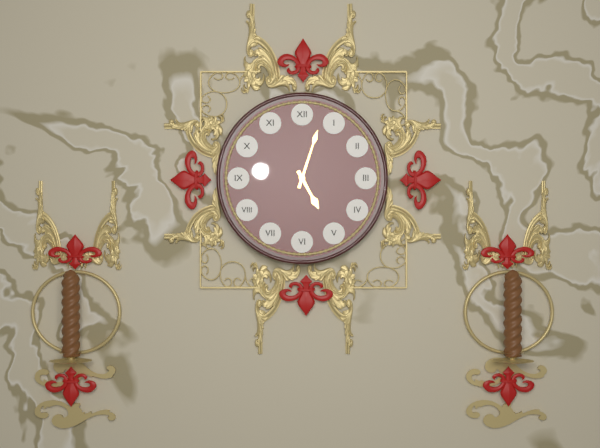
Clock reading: 5h03
